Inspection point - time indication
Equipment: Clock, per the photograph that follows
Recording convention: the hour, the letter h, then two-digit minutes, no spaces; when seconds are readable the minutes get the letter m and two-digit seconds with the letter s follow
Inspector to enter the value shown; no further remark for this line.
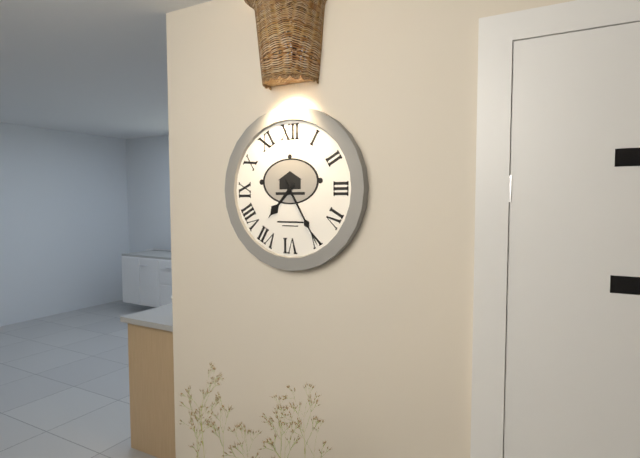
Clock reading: 7h25
